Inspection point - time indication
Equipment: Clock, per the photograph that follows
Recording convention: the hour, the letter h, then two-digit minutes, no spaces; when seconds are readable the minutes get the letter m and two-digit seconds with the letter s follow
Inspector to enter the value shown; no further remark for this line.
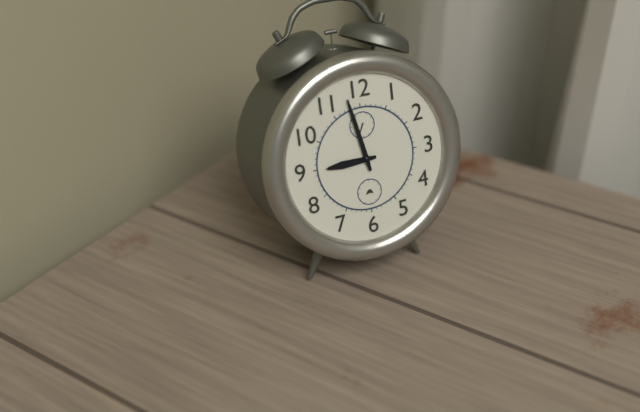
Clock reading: 8h58
